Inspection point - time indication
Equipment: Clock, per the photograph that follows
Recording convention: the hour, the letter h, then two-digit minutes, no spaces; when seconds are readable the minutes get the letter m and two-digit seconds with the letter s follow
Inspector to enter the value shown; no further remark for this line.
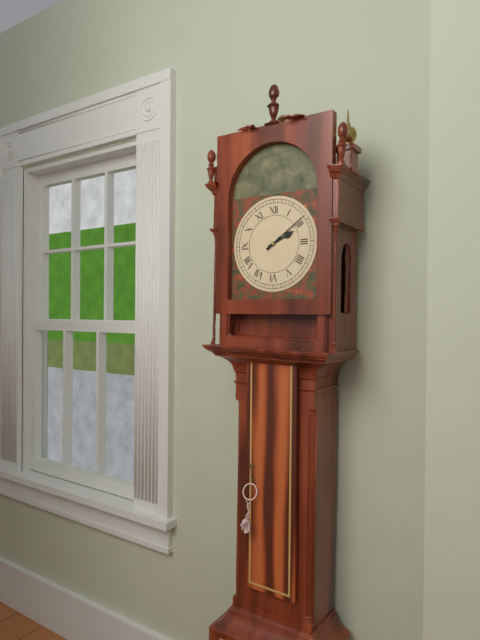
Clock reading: 2h09
